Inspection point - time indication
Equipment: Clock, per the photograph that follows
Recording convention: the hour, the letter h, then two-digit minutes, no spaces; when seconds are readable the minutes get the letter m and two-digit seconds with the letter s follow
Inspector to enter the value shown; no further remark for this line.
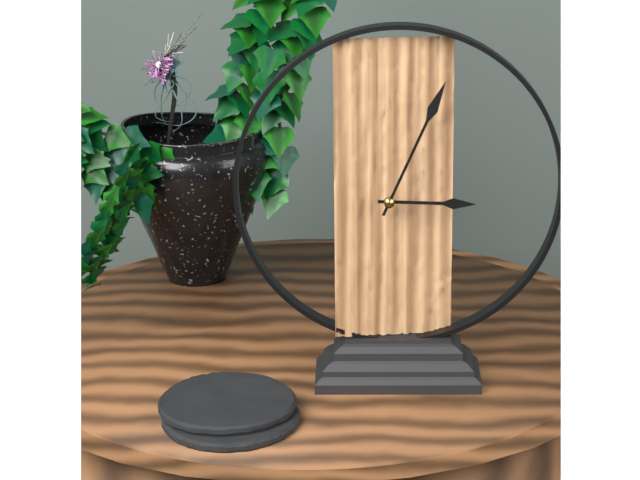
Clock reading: 3h04
